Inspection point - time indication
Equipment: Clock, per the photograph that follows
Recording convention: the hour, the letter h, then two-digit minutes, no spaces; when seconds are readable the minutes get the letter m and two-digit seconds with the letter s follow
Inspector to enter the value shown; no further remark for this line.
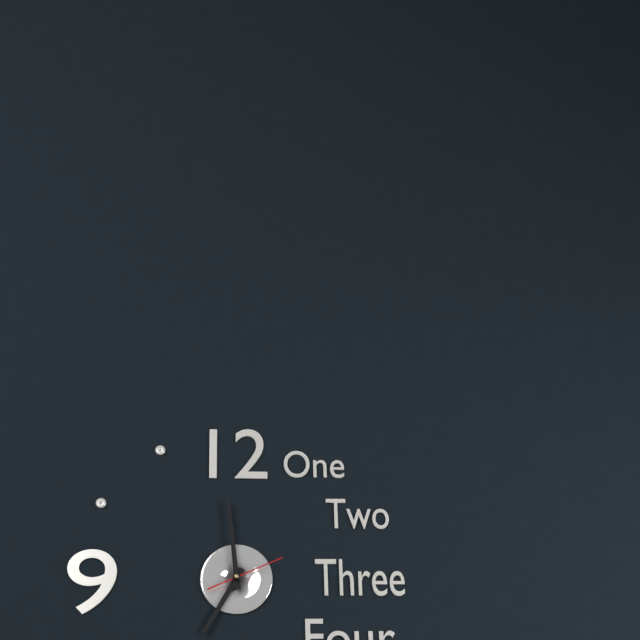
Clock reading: 6h59m11s
